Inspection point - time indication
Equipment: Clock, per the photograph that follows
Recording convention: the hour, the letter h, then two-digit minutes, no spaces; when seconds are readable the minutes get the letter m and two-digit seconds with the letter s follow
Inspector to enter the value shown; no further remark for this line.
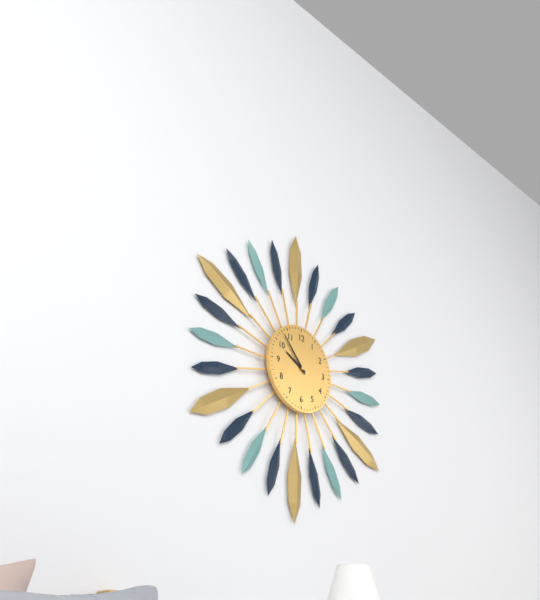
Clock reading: 9h53
